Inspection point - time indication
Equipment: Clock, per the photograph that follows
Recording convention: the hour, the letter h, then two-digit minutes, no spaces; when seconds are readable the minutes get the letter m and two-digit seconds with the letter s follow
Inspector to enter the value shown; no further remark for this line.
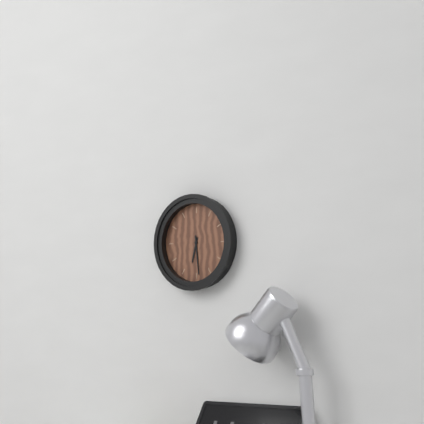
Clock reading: 6h29
